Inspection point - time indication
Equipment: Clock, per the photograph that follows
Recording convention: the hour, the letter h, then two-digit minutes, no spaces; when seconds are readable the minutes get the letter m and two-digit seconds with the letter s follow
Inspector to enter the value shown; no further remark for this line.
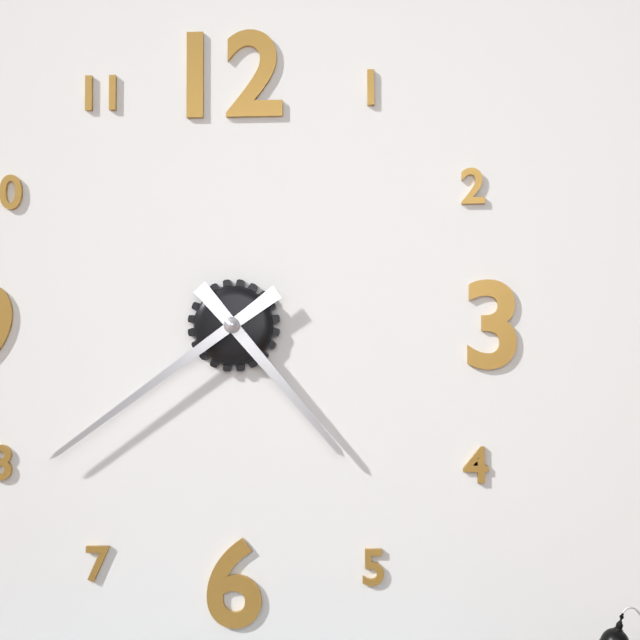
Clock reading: 4h39
